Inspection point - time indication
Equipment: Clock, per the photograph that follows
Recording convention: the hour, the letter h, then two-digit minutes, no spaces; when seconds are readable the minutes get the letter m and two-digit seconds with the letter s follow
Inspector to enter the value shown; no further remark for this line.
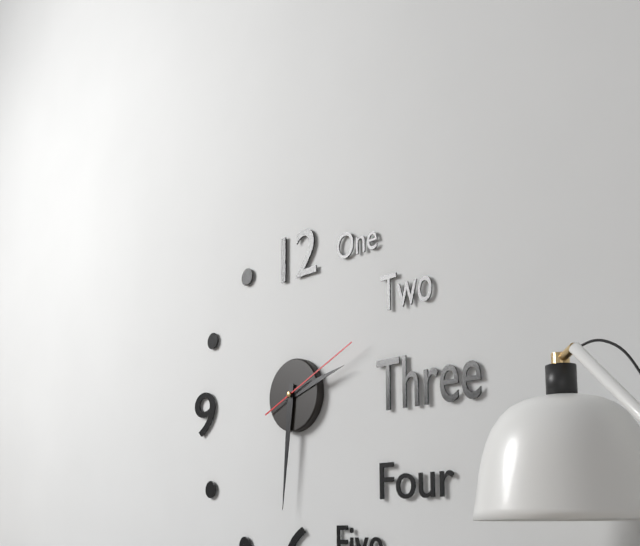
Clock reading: 2h31m11s
